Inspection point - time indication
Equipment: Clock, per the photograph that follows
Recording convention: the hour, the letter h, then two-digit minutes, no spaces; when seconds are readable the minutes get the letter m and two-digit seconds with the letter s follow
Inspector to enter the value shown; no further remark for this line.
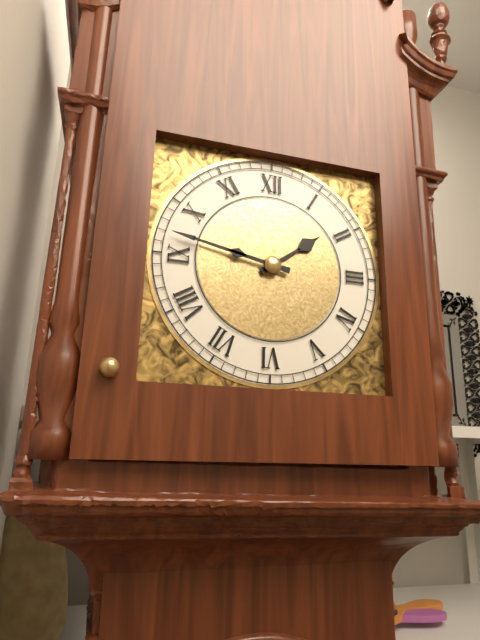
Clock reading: 1h47
